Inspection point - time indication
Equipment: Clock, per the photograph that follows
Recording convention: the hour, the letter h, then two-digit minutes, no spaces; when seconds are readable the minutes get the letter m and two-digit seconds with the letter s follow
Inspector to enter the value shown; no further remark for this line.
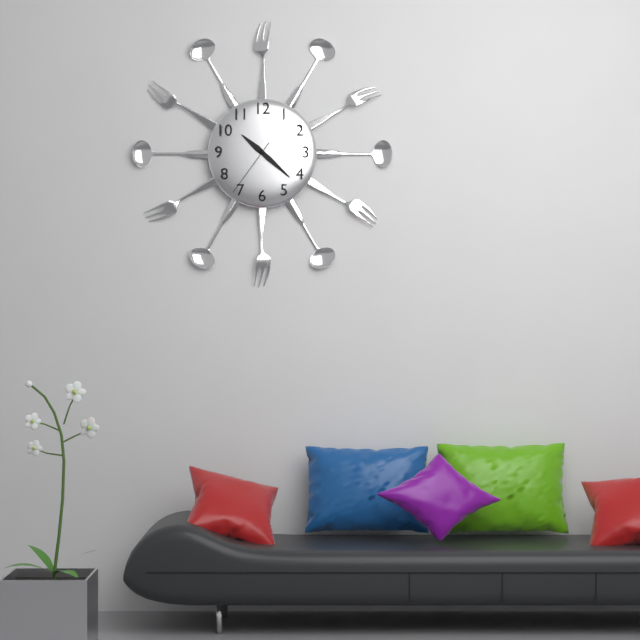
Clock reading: 10h22m36s
